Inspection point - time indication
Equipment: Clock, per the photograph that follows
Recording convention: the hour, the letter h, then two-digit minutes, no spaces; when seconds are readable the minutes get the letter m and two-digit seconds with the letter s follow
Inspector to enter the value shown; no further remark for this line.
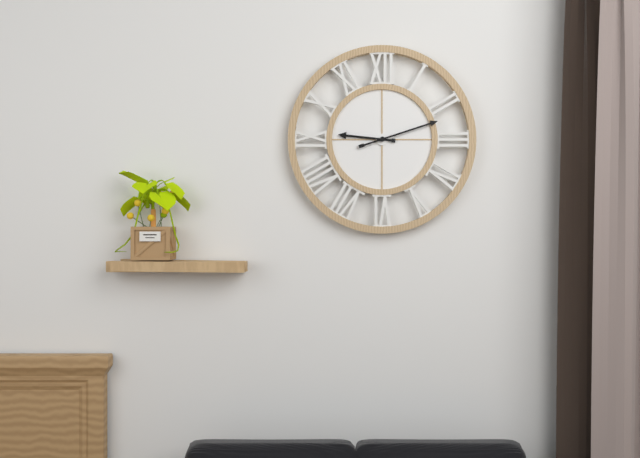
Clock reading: 9h12
